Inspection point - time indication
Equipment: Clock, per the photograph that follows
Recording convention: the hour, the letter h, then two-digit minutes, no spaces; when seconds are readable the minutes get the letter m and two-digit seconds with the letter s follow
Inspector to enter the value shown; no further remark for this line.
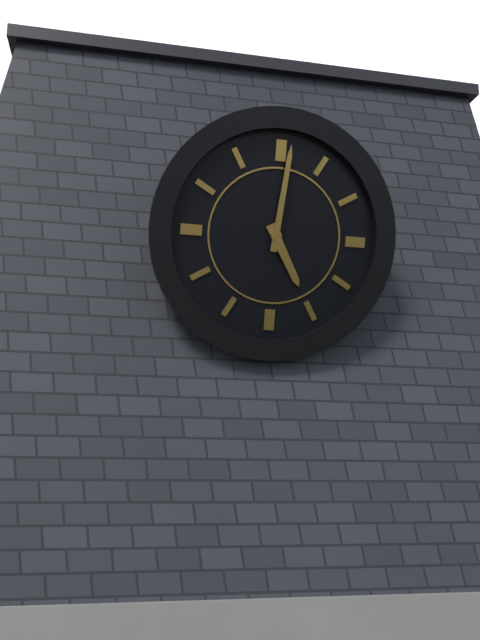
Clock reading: 5h01
